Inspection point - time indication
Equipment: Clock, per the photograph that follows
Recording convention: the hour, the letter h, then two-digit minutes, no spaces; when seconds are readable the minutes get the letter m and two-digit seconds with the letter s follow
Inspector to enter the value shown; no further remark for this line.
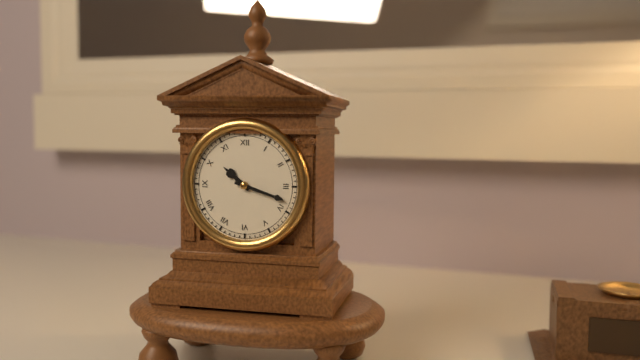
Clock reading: 10h18
